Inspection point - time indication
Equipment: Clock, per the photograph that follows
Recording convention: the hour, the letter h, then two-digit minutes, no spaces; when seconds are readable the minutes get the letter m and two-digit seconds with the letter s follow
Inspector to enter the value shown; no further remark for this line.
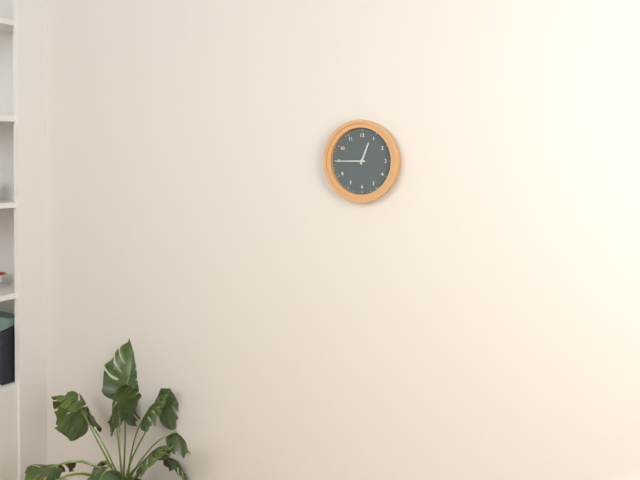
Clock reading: 12h45
